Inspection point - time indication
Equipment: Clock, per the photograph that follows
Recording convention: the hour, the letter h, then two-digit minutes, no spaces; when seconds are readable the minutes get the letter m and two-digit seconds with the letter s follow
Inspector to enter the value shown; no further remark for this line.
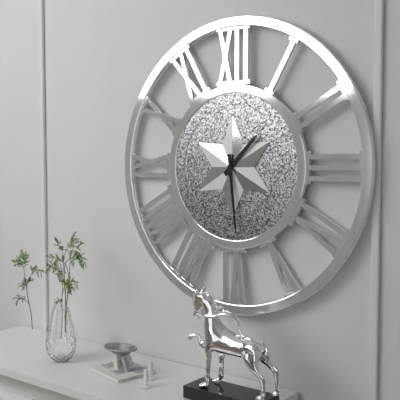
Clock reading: 1h29
